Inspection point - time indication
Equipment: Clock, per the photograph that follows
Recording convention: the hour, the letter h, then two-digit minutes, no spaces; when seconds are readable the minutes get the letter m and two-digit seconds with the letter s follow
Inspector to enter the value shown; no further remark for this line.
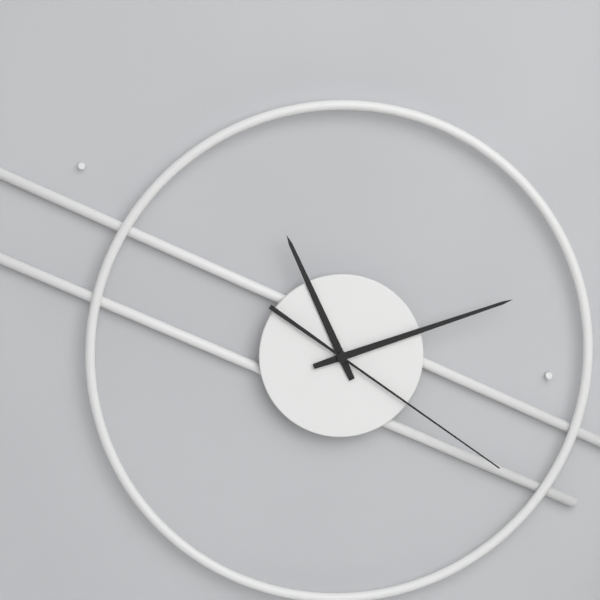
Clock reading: 11h12m21s
